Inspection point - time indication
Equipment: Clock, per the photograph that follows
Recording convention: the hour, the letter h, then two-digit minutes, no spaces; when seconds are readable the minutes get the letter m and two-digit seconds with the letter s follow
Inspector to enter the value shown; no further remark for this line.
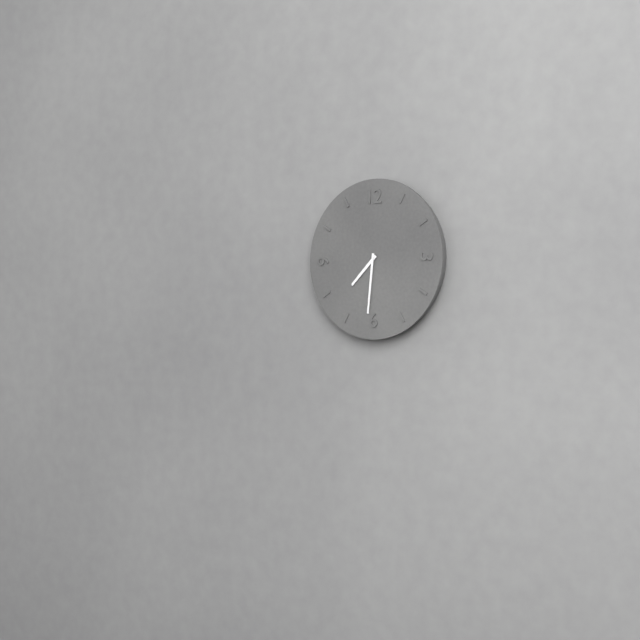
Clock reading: 7h31
